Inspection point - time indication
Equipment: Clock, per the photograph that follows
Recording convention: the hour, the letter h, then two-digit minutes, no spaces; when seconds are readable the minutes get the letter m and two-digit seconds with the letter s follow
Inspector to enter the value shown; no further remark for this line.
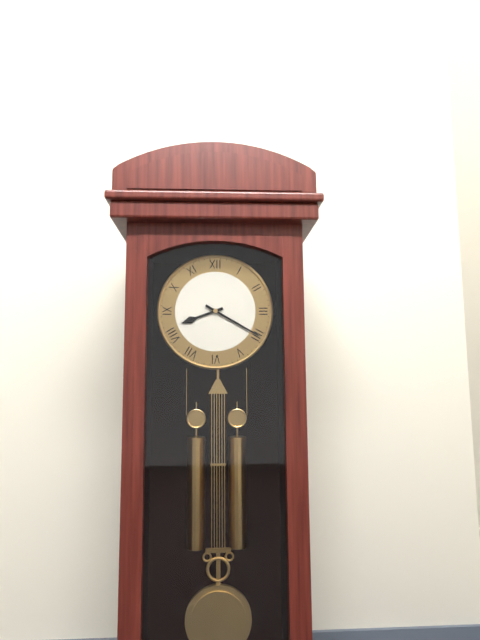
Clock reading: 8h20
